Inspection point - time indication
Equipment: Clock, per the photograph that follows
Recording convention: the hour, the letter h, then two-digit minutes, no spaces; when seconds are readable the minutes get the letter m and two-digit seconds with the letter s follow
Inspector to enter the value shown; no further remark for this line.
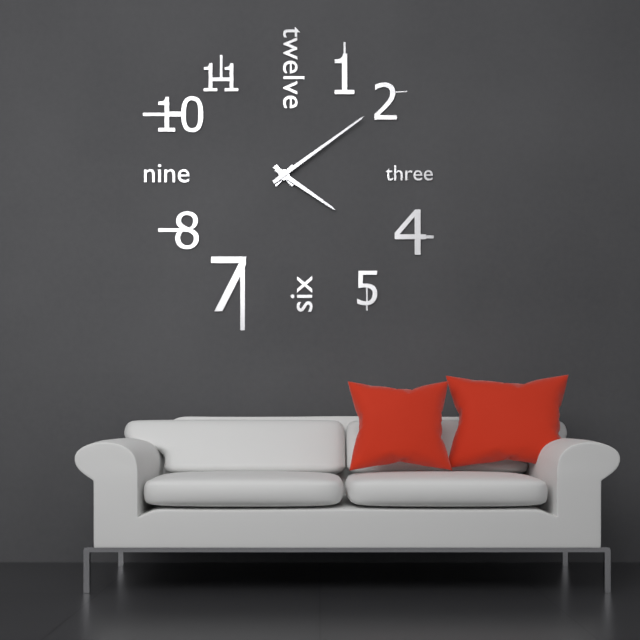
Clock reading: 4h09
